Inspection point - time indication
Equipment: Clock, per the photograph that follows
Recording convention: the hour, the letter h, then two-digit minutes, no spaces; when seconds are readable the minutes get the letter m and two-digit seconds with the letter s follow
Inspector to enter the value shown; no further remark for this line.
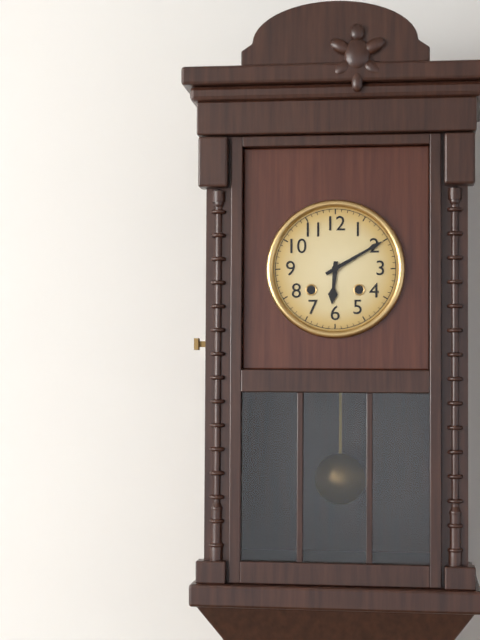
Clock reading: 6h10
